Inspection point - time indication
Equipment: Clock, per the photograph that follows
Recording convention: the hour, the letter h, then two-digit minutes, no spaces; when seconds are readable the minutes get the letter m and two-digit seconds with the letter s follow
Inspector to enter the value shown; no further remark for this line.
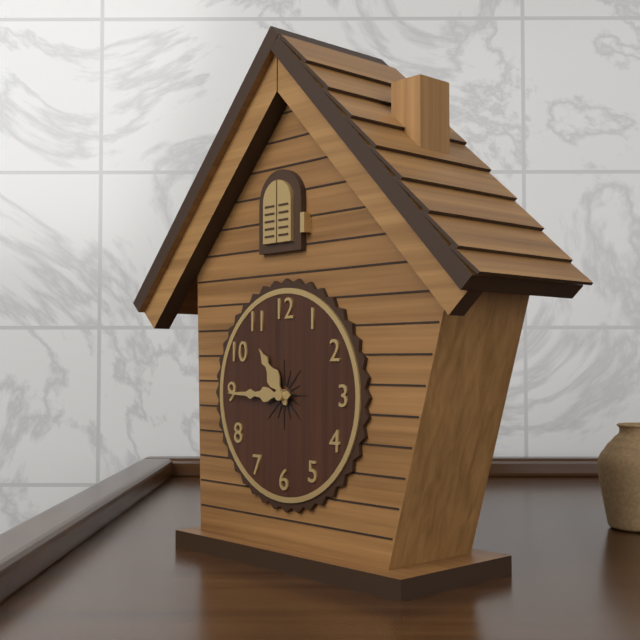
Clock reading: 10h45
